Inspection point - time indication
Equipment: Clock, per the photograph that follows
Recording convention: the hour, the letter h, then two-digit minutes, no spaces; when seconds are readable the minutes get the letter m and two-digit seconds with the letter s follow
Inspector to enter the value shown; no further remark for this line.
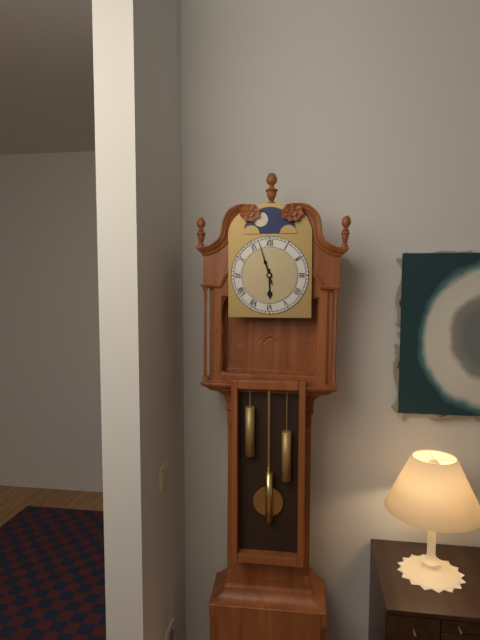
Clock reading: 5h57
